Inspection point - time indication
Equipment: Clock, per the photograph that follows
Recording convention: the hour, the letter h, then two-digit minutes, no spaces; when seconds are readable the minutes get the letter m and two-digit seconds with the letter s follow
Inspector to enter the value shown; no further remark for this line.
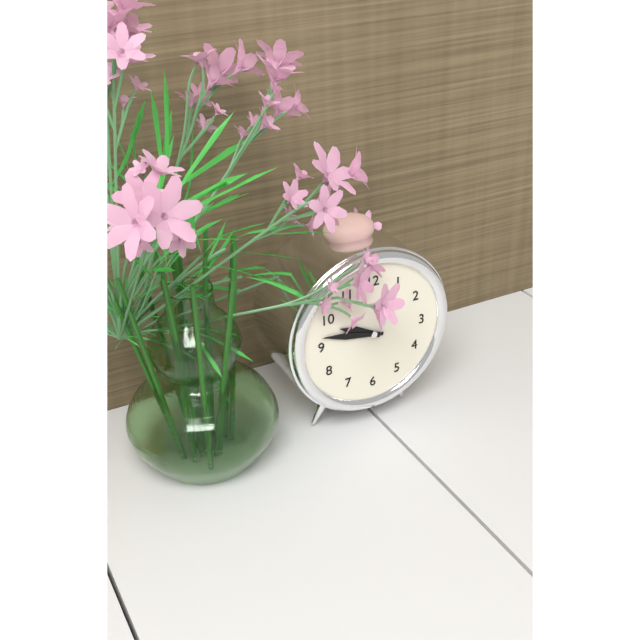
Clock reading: 9h47
